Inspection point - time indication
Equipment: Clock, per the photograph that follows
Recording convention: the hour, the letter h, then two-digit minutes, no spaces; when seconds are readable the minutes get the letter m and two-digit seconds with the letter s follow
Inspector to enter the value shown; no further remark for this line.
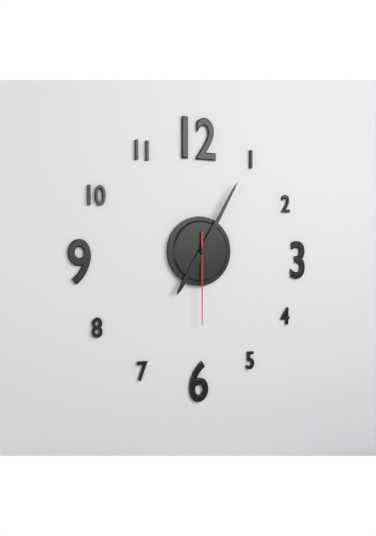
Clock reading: 7h05m30s
